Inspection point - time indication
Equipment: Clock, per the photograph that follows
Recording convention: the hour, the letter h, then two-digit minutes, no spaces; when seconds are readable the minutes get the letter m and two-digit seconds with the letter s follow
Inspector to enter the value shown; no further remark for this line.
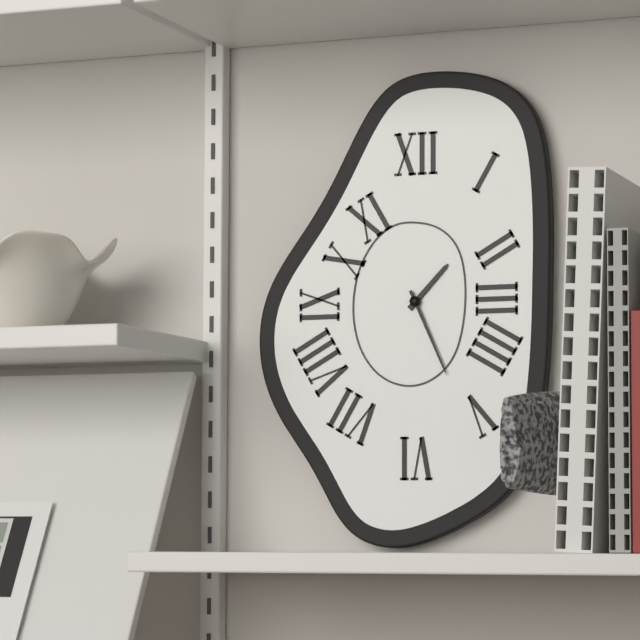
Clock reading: 1h26
